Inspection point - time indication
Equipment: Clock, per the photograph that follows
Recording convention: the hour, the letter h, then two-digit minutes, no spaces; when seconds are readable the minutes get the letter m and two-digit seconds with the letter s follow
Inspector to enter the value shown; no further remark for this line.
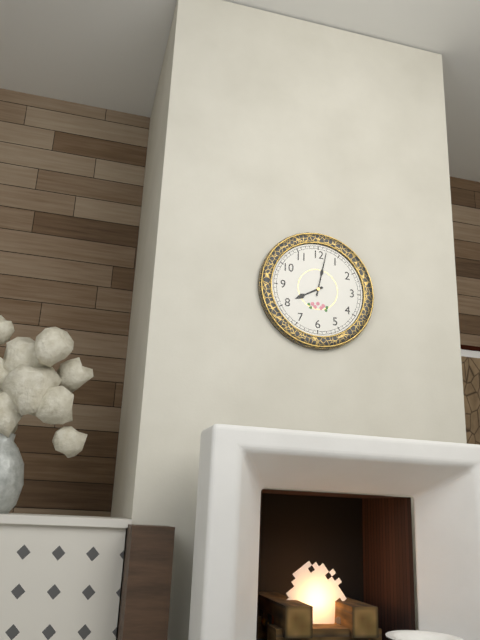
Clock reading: 8h02
